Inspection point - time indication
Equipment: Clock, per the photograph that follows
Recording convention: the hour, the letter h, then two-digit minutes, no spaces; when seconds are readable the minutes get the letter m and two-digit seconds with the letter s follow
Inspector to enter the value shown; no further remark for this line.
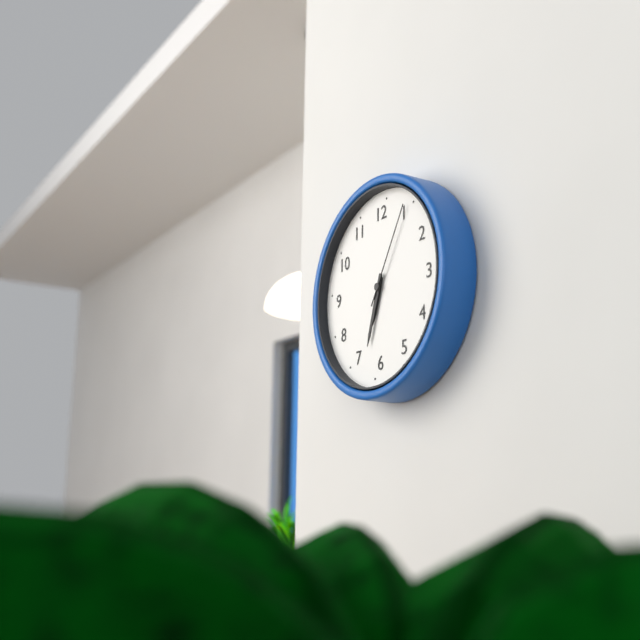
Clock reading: 6h33m05s
